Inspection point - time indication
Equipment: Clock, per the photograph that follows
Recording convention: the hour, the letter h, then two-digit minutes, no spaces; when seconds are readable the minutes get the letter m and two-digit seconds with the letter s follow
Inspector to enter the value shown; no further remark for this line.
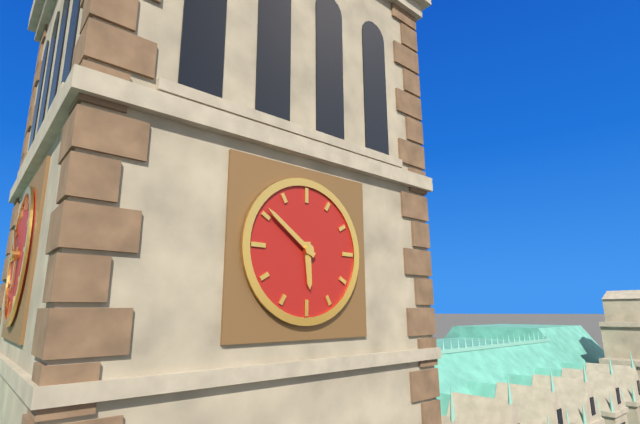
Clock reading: 5h51
